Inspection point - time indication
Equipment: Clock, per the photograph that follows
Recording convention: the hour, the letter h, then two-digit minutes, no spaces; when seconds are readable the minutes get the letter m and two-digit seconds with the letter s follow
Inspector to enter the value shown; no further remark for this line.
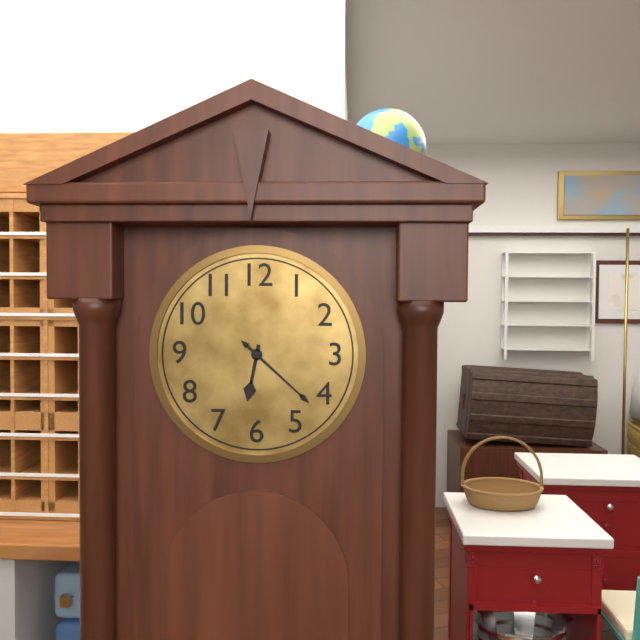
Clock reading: 6h22
